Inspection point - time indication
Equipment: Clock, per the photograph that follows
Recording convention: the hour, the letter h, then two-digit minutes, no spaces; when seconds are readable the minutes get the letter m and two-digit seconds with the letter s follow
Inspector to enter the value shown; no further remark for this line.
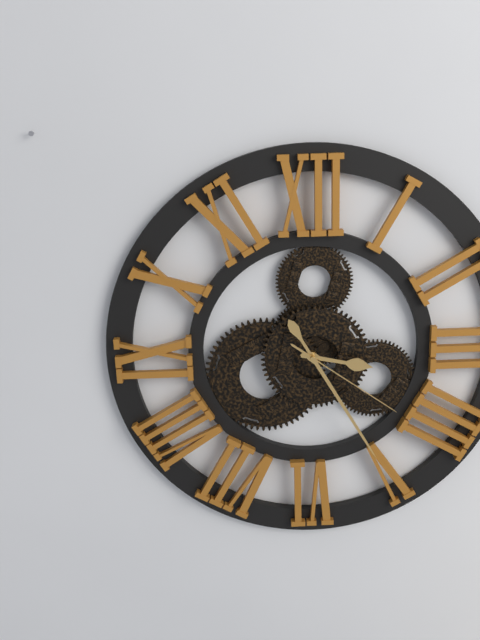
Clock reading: 3h25m21s
